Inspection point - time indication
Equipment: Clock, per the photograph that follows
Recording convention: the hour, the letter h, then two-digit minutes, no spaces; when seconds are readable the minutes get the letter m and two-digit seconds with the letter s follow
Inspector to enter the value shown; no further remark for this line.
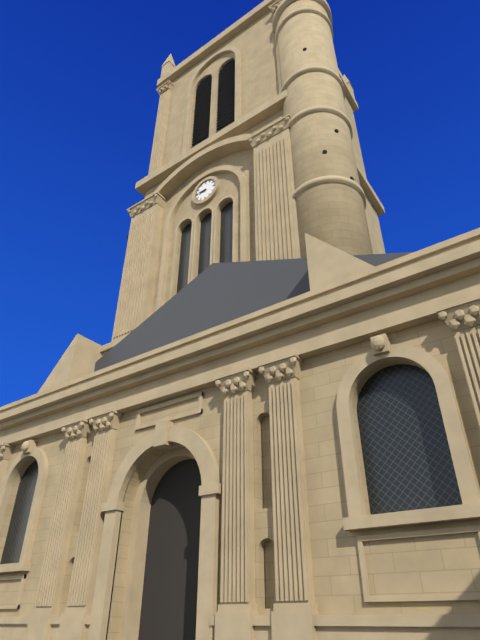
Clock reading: 8h45
